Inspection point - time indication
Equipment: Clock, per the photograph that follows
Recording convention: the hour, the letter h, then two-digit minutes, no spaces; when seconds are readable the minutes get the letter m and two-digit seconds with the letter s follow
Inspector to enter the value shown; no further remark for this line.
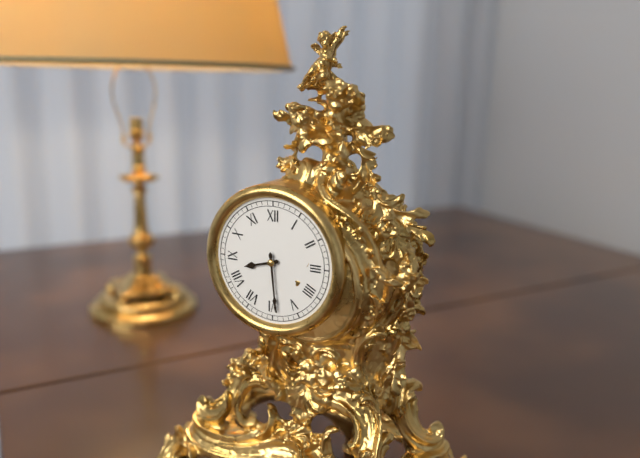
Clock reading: 8h29
